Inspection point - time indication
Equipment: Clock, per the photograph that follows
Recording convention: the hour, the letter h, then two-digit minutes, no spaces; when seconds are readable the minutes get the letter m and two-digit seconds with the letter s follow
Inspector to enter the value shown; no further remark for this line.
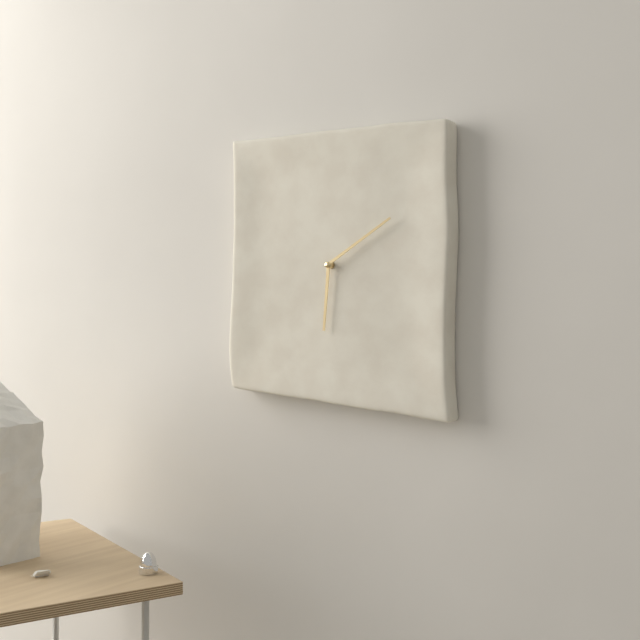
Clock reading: 6h10
